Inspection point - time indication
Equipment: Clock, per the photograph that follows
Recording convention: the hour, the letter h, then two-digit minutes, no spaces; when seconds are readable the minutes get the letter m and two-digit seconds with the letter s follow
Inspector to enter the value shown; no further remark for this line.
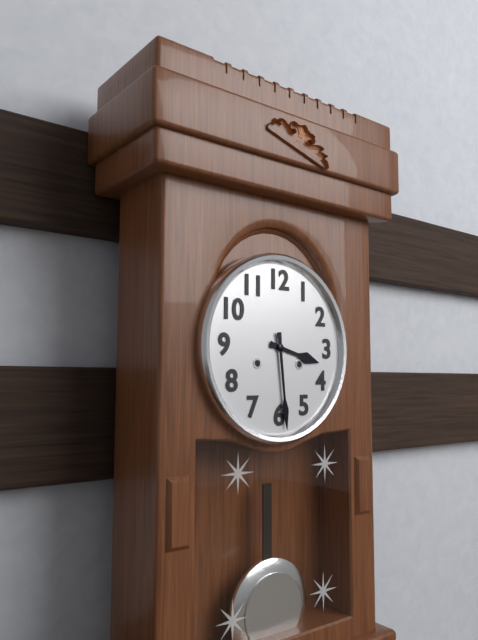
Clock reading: 3h29
